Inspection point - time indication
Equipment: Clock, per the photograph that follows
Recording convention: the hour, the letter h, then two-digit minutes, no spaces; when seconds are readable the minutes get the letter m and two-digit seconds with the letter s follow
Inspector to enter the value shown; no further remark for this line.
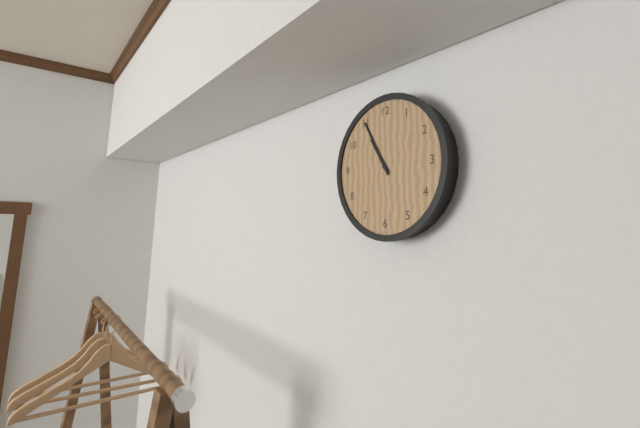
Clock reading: 10h55
